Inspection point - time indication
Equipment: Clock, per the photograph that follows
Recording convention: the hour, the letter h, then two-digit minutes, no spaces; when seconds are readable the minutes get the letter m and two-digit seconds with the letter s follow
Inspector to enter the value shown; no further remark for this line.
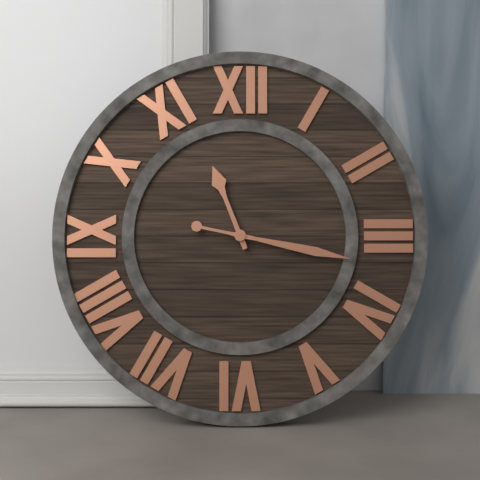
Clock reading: 11h17
